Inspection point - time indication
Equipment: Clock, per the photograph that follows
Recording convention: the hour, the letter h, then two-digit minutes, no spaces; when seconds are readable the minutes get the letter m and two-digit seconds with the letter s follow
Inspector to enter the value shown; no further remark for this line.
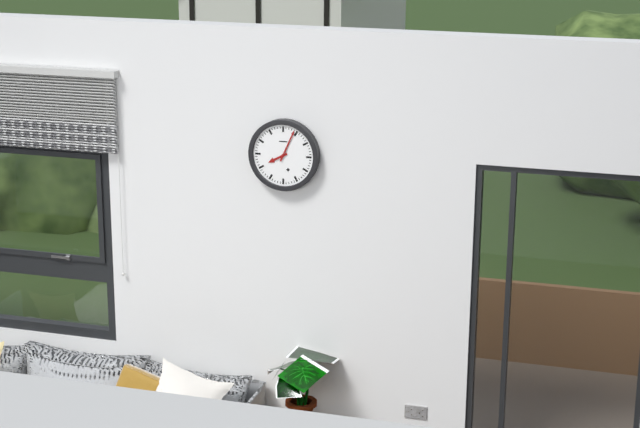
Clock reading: 8h04
